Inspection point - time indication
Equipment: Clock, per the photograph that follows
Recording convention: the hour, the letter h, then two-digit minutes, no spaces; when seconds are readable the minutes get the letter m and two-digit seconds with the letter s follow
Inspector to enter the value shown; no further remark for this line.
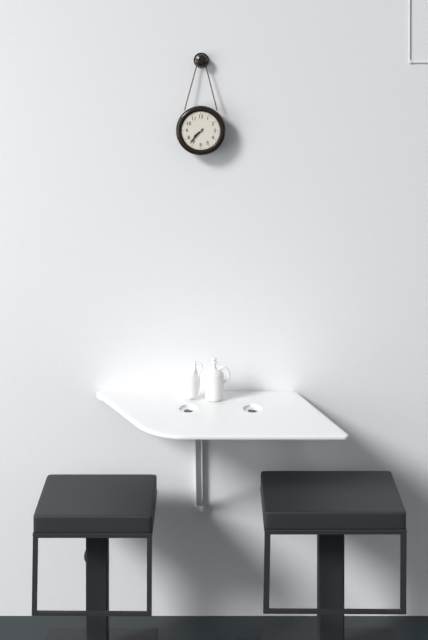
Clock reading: 7h37
